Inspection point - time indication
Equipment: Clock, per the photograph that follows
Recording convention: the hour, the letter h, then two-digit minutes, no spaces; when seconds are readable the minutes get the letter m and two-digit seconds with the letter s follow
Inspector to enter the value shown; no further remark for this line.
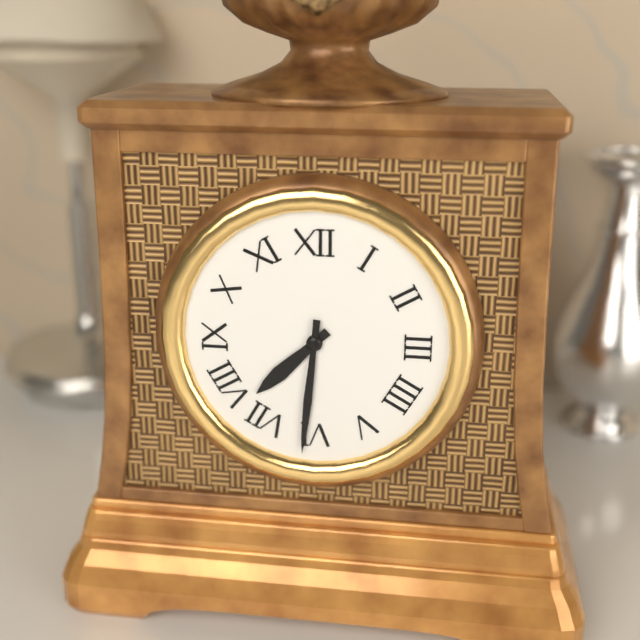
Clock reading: 7h31
